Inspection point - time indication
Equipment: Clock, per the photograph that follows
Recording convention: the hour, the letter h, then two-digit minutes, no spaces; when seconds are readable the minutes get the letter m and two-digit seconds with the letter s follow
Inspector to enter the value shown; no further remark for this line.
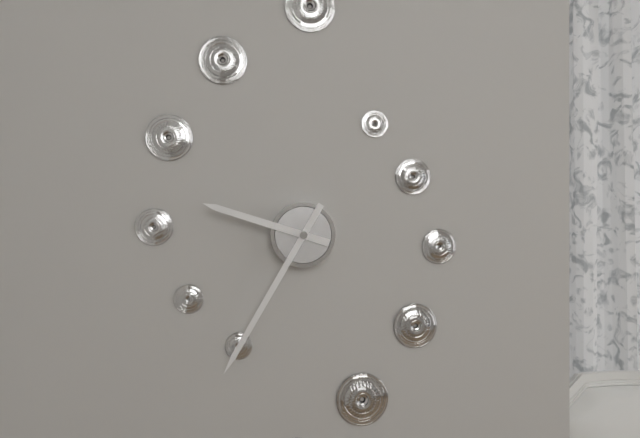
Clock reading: 9h35
